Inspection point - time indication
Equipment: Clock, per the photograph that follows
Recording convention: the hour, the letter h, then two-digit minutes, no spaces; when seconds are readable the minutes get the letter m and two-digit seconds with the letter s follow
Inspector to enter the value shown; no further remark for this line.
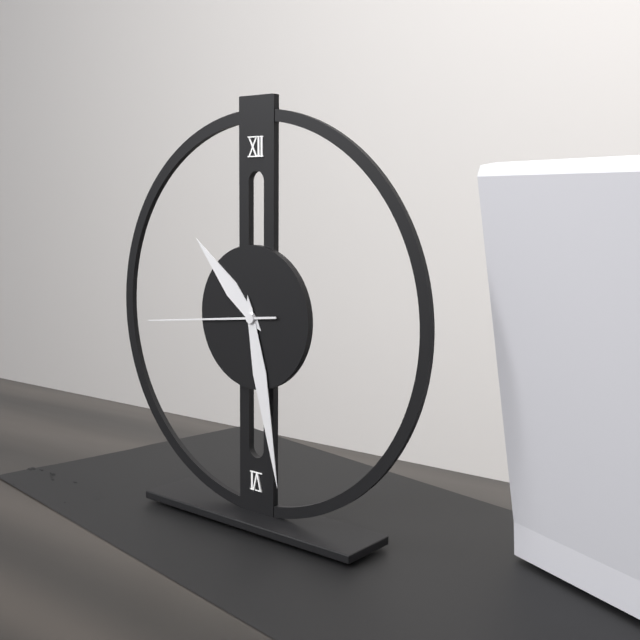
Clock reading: 10h28m44s
